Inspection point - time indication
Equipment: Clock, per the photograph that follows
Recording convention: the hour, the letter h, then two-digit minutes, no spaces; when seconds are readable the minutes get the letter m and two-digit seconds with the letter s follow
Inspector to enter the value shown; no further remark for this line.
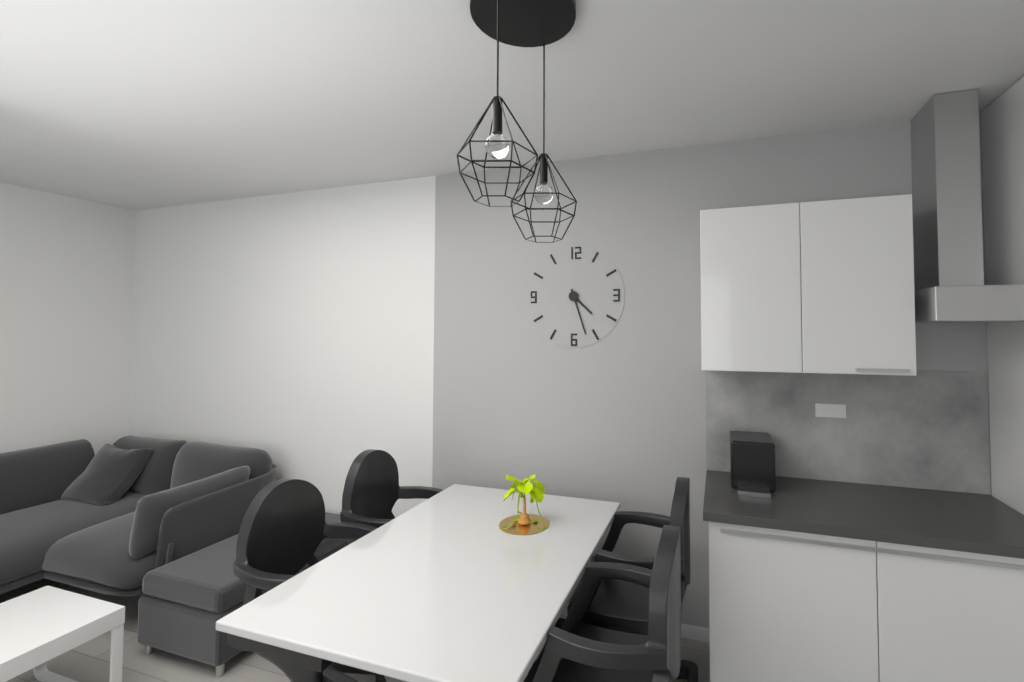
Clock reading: 4h27
